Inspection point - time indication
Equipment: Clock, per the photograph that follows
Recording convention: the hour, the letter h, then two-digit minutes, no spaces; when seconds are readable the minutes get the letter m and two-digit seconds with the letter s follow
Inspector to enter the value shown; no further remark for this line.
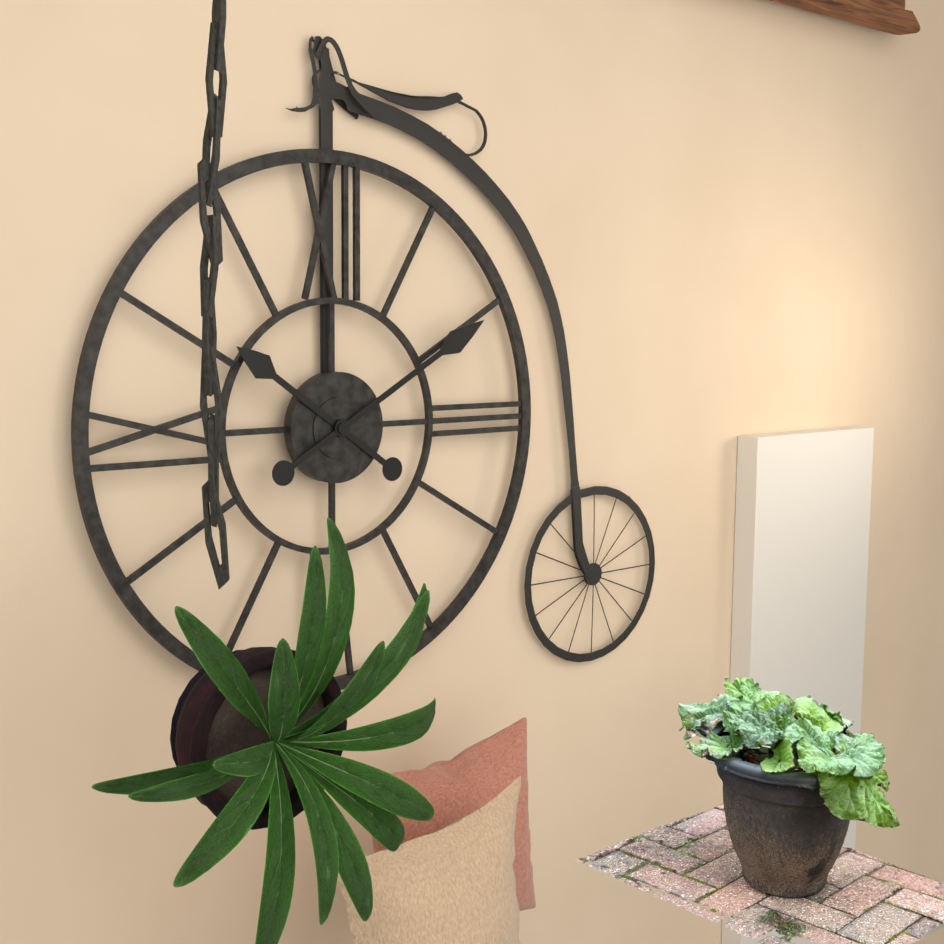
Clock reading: 10h10
